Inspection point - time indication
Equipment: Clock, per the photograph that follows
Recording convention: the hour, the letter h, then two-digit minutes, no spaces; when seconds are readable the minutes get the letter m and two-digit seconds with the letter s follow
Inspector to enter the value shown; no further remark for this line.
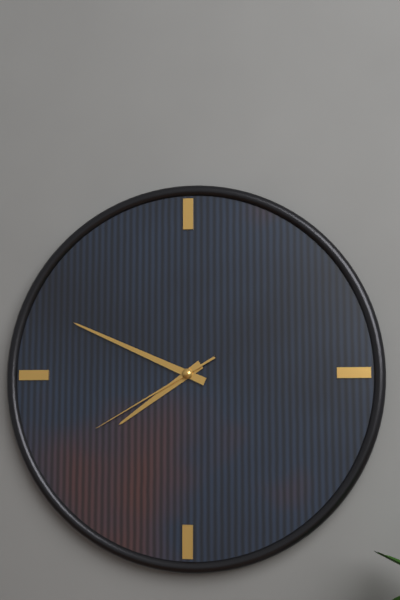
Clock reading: 7h49m40s
